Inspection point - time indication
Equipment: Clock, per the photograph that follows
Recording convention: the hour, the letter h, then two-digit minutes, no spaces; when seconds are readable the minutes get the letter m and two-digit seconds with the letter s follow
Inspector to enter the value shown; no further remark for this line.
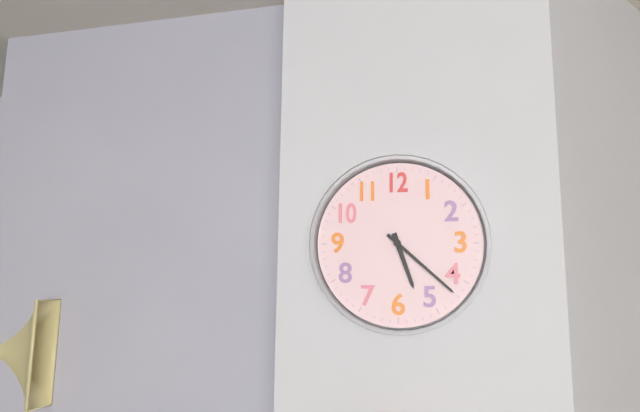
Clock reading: 5h22
